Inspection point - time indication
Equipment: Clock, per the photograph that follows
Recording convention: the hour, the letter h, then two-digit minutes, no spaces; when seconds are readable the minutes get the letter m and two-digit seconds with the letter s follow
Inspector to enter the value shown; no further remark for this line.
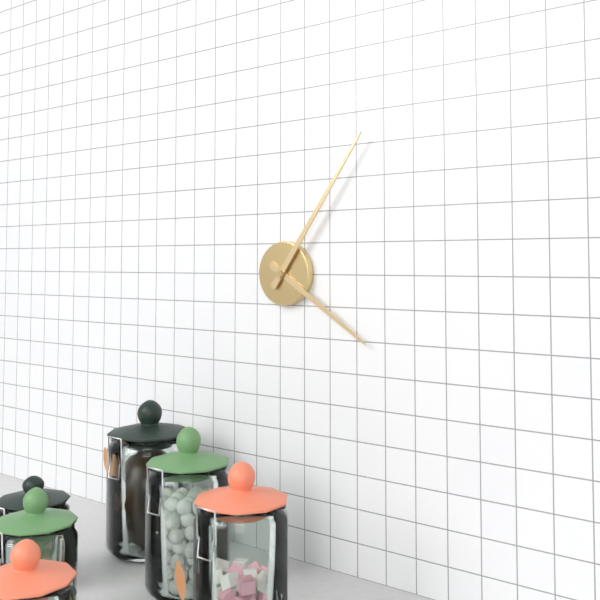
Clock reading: 4h06
